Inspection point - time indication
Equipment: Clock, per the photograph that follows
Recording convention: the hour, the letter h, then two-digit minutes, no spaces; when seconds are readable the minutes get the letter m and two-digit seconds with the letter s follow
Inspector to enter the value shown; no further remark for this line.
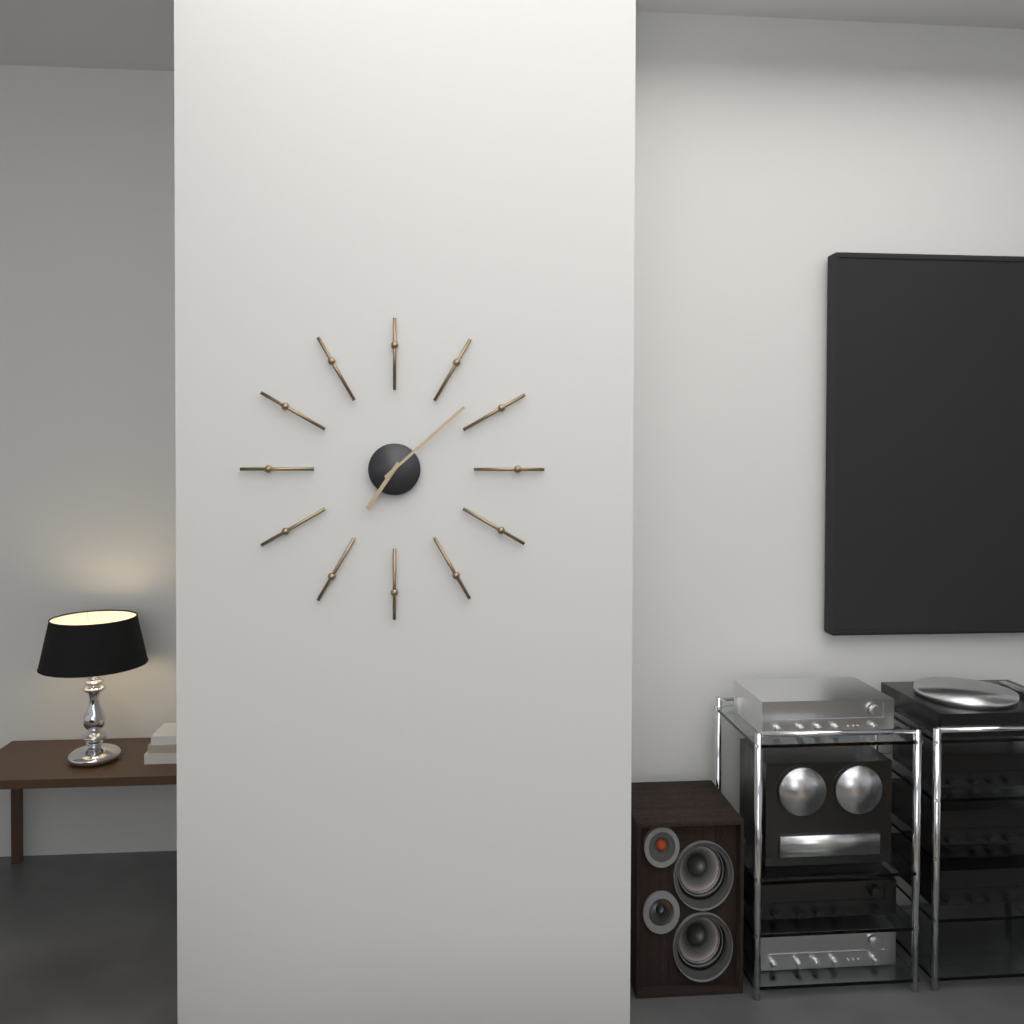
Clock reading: 7h08
